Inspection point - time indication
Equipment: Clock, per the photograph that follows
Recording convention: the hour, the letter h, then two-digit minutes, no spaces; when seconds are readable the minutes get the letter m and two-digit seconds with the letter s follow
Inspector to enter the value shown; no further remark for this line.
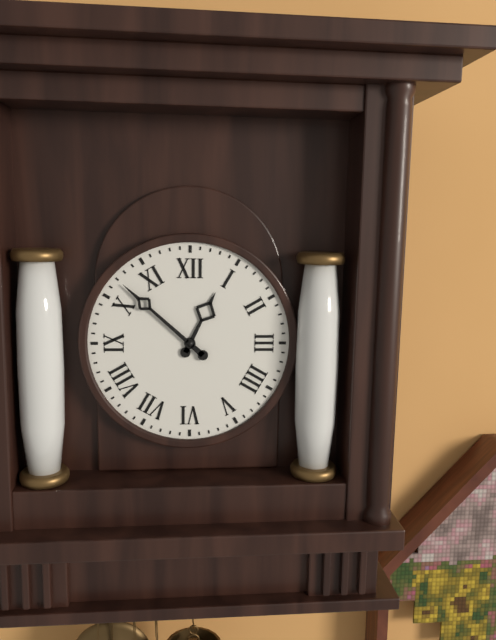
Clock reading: 12h52
